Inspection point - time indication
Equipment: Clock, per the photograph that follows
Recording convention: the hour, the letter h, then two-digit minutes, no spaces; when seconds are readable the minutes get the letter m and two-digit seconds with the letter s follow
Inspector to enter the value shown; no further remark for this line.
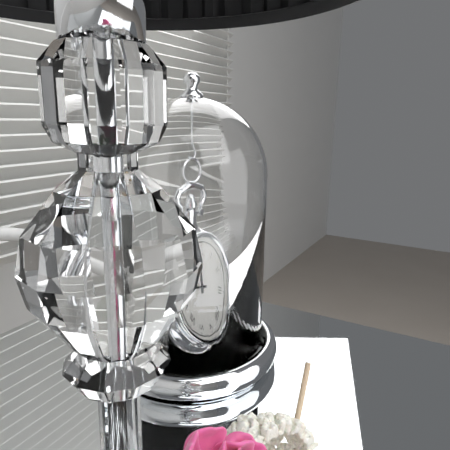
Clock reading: 11h44
